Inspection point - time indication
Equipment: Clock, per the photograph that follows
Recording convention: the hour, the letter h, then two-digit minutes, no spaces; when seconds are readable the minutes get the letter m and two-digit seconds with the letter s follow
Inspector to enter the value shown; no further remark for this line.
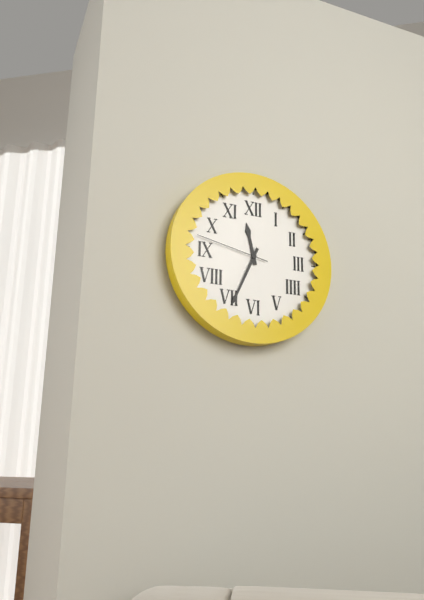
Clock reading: 11h34m47s
